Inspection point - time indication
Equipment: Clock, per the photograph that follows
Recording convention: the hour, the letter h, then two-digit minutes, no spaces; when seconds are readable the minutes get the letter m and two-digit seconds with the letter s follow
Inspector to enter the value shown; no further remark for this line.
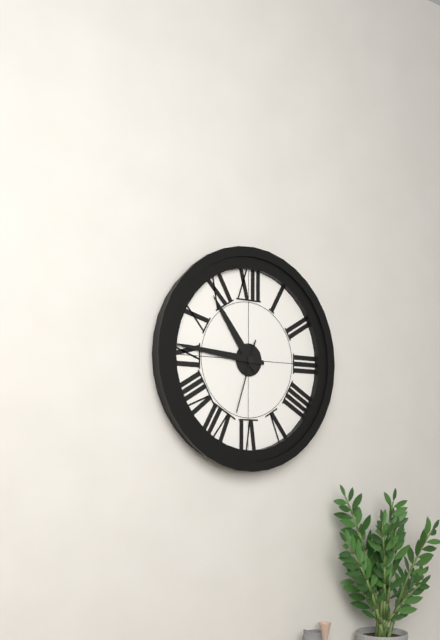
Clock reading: 10h46m33s
